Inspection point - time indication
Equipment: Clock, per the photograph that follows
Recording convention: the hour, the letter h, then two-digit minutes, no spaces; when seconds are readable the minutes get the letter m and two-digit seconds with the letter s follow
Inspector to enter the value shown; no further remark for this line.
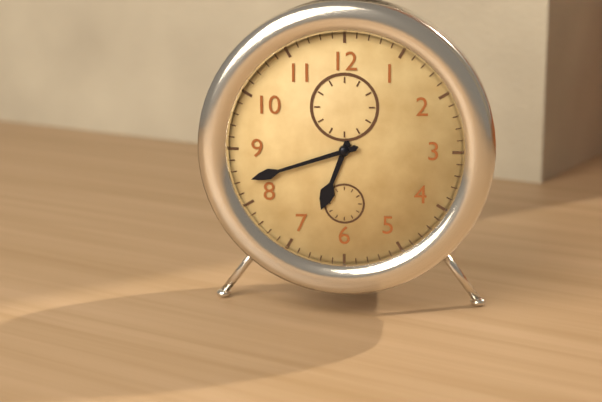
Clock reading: 6h42
